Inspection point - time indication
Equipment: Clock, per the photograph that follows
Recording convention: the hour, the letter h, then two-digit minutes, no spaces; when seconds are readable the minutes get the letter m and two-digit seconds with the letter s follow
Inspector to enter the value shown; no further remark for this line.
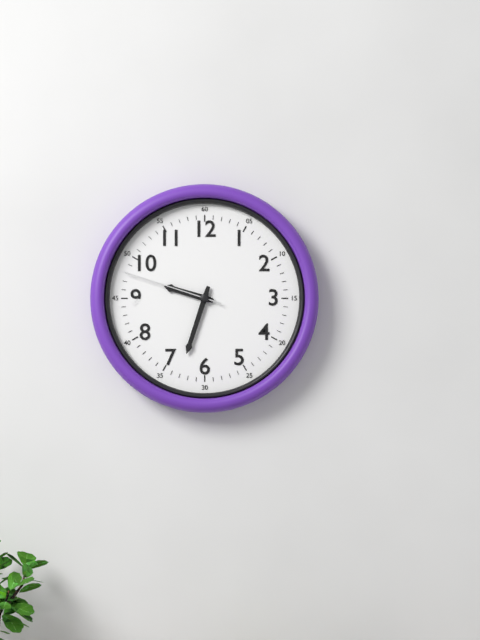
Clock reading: 9h33m48s
